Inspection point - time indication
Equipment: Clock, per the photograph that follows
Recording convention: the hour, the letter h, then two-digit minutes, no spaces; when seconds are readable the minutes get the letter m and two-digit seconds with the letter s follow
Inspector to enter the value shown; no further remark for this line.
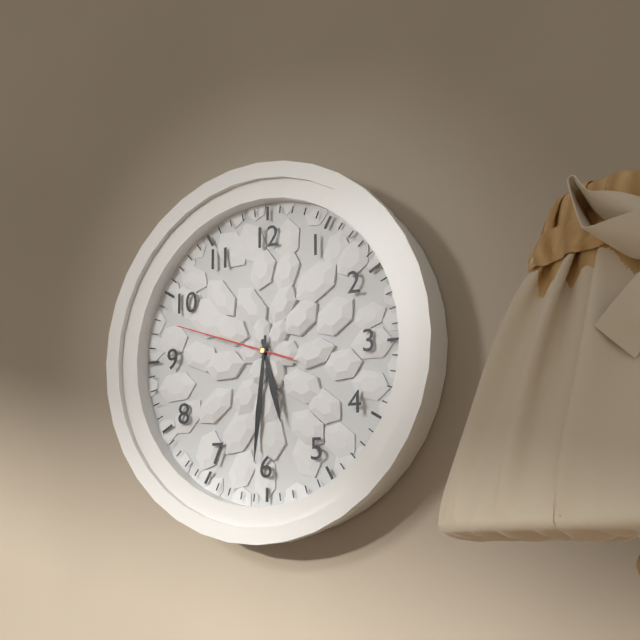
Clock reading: 5h31m48s
